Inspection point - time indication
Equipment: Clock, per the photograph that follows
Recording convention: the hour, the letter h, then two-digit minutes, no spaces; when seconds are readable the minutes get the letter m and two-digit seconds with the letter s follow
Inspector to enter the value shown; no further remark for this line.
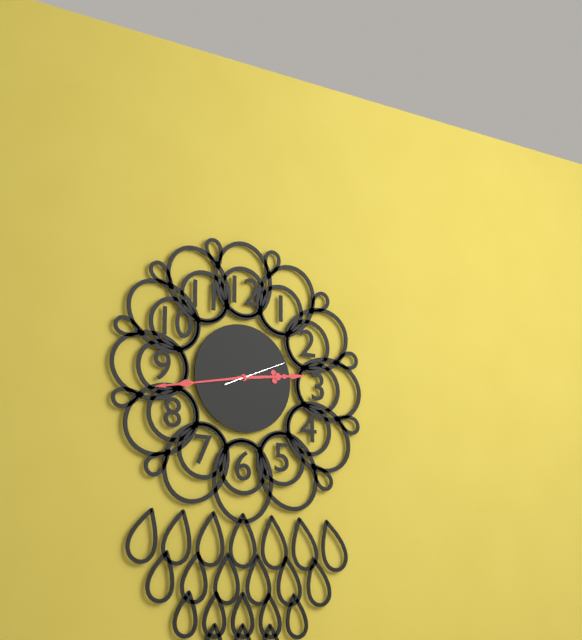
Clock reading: 2h43m11s
